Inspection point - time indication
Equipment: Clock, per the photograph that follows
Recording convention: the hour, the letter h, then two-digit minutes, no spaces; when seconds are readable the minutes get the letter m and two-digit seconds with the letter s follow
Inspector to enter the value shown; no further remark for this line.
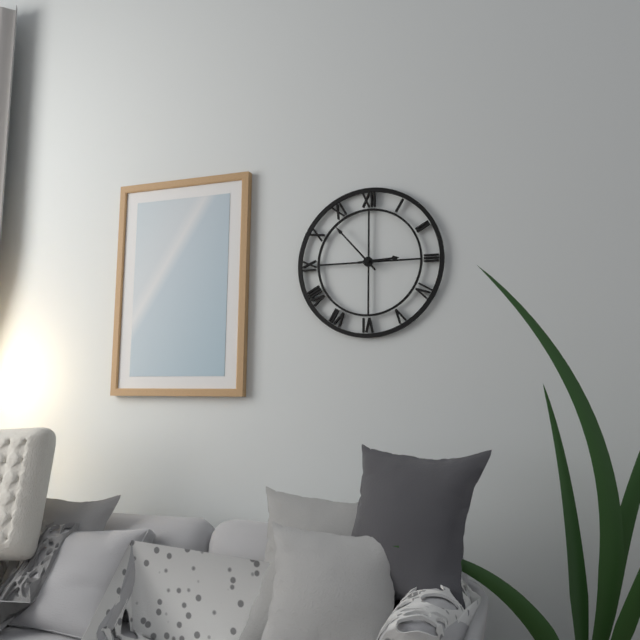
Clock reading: 2h53
